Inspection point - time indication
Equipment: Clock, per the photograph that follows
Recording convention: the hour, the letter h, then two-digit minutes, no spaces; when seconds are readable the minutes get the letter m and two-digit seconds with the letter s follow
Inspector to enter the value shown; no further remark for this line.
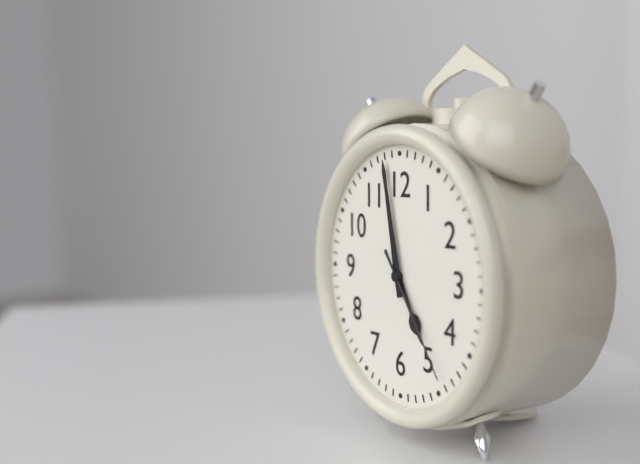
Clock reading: 4h58m24s
